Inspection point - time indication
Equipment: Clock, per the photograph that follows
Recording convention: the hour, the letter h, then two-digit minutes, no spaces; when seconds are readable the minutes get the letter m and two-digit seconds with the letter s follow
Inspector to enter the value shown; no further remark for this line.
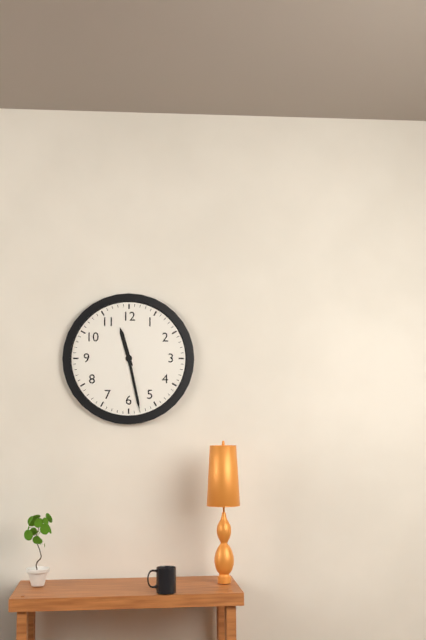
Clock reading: 11h28
